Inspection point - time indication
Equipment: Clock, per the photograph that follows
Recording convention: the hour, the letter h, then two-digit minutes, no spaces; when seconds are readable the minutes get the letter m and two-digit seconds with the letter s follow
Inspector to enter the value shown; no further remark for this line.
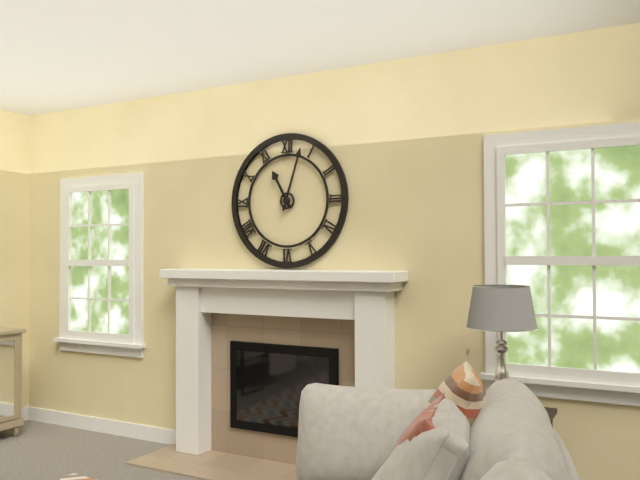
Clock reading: 11h03
